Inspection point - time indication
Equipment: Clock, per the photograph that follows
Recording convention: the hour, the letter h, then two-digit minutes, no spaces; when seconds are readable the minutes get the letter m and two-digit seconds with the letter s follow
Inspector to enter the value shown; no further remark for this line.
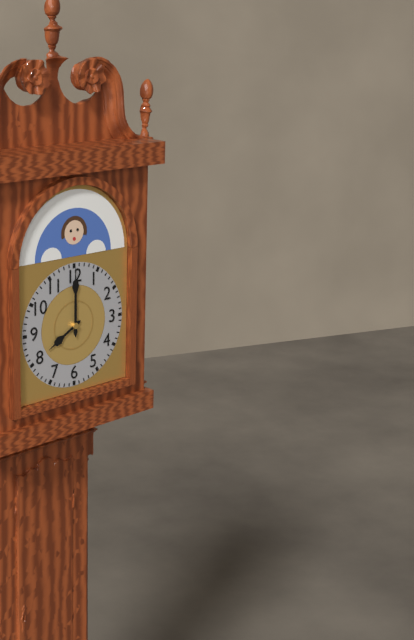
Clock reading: 8h00
